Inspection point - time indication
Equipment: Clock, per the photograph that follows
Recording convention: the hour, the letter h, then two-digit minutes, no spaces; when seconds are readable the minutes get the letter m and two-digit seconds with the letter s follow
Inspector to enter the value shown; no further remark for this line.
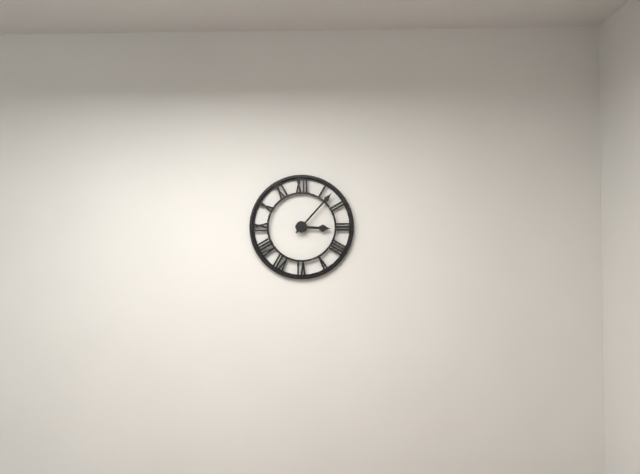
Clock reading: 3h07
